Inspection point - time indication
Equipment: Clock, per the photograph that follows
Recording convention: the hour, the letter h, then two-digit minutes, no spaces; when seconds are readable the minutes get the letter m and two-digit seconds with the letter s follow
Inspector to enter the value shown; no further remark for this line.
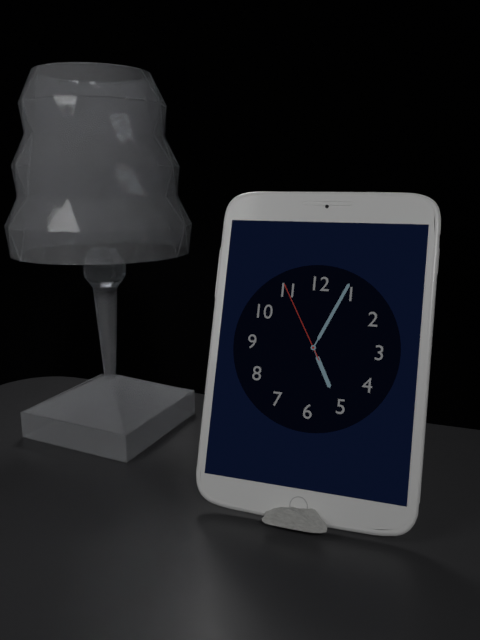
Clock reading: 5h04m55s
